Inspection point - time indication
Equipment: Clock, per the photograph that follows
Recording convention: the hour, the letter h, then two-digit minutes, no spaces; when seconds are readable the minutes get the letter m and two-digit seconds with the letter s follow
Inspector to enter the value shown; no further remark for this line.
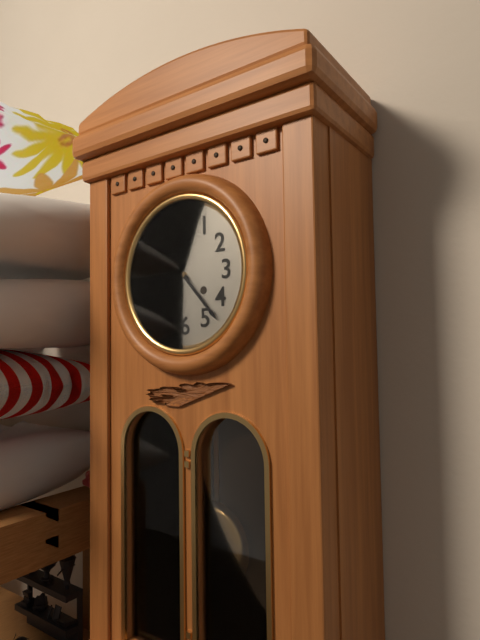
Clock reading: 10h23
